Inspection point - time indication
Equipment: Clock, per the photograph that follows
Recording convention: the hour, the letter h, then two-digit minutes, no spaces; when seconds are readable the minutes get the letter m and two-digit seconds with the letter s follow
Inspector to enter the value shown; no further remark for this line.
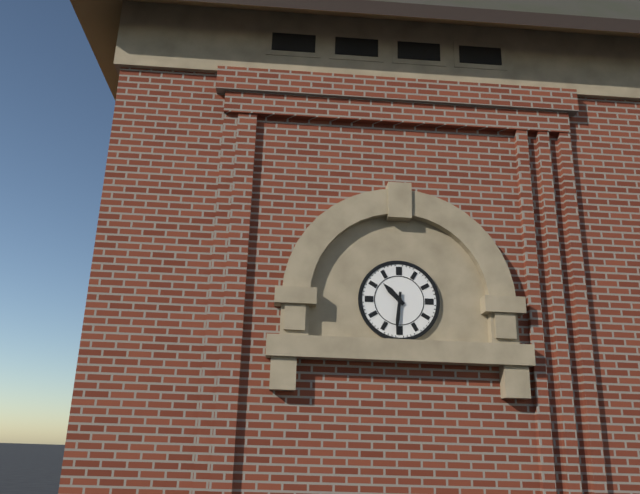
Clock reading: 10h31
